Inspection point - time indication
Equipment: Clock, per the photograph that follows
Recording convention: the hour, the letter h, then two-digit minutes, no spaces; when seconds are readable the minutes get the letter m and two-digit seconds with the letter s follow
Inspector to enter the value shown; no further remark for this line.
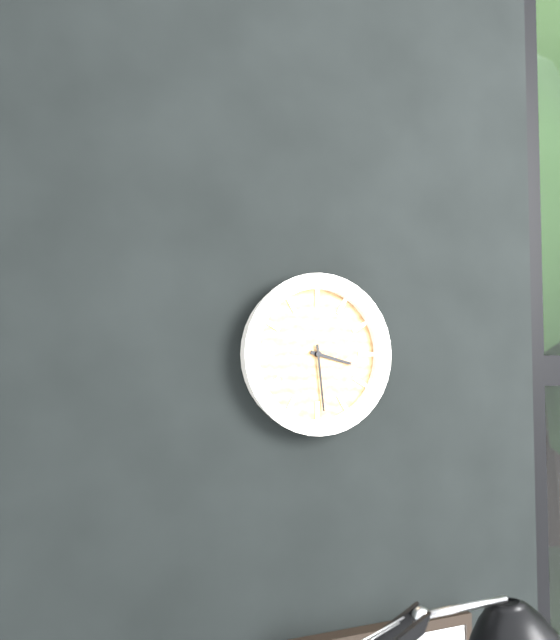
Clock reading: 3h29
